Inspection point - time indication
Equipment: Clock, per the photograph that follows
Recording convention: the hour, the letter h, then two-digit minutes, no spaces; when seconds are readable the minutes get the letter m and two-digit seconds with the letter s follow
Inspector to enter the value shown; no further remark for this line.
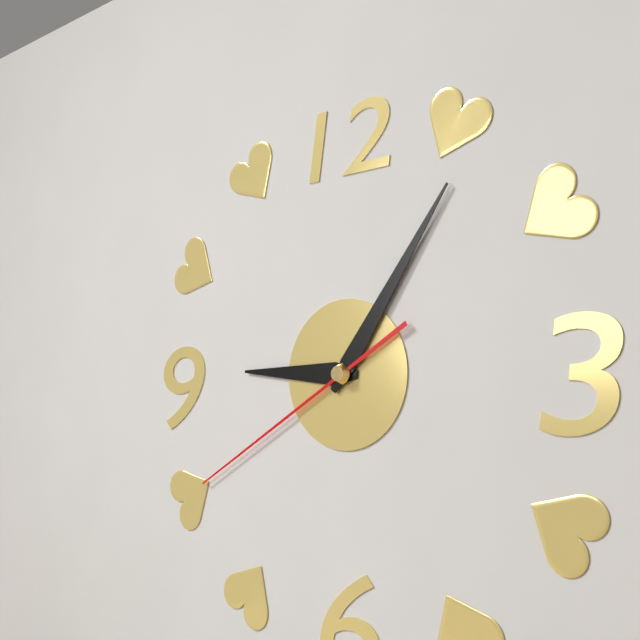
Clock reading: 9h06m40s
